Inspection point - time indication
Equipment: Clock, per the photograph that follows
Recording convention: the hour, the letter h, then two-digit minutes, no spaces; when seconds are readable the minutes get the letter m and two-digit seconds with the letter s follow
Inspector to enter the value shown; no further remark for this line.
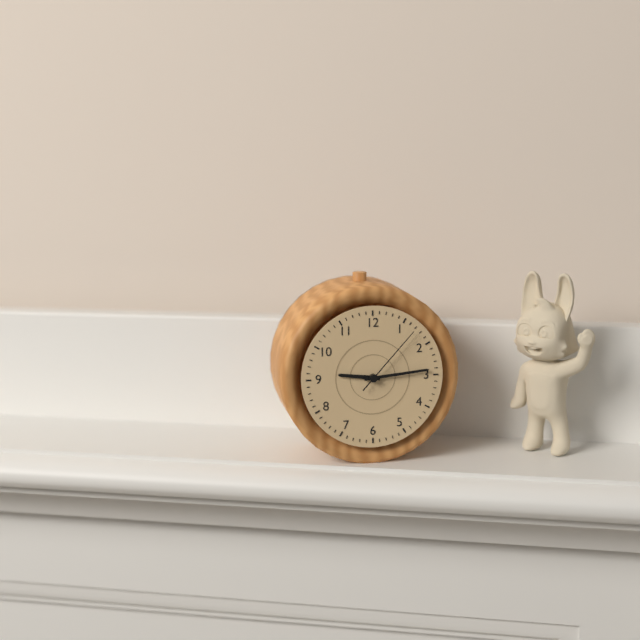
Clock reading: 9h14m07s
